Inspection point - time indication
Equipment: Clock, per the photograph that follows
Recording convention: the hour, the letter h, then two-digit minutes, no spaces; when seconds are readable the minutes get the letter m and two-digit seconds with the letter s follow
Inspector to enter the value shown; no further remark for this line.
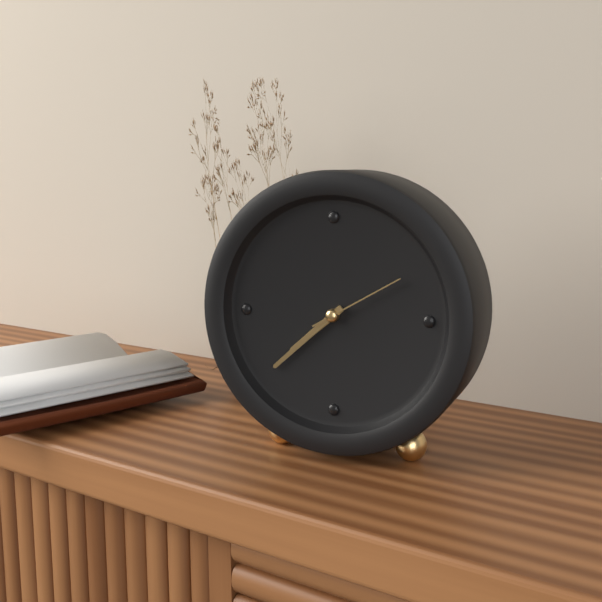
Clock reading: 7h38m10s
